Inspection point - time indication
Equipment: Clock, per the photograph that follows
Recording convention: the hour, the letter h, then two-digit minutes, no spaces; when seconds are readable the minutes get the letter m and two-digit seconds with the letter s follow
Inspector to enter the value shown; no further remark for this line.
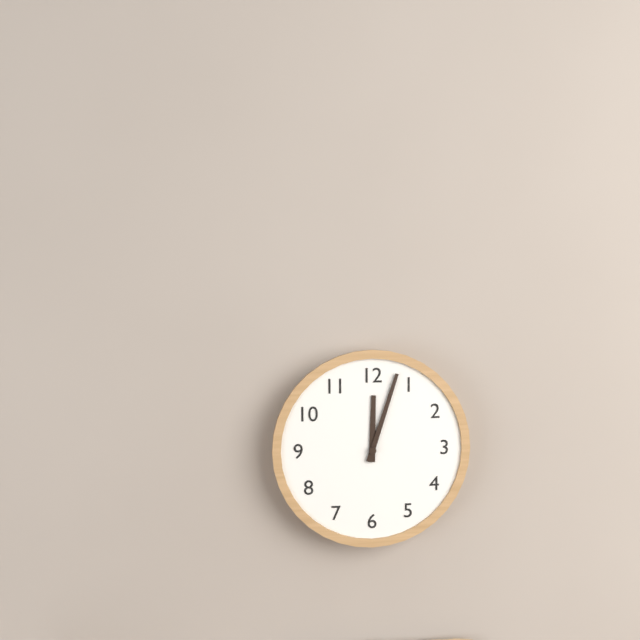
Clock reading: 12h03
